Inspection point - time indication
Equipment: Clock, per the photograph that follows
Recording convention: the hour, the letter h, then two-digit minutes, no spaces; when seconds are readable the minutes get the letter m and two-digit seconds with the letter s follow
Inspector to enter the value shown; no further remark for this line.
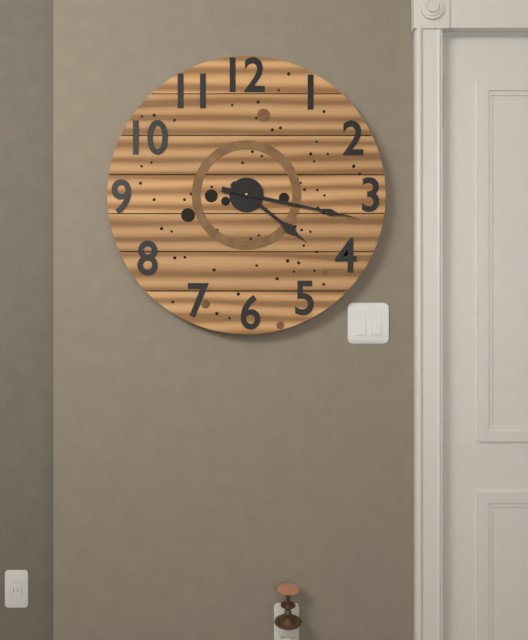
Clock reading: 4h17
